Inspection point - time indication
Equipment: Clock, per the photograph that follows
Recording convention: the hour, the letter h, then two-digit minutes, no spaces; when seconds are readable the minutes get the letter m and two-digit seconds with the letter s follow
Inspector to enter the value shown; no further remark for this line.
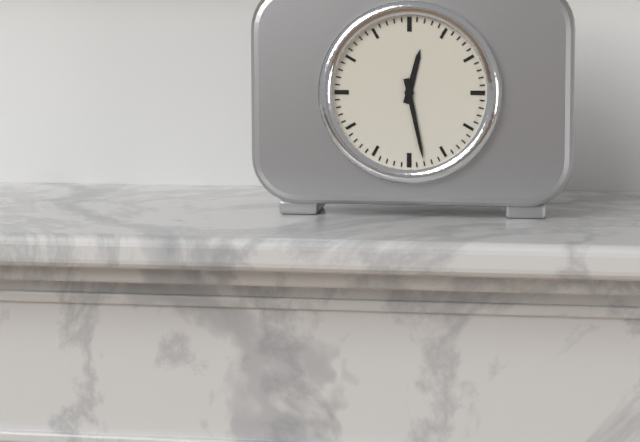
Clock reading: 12h28
